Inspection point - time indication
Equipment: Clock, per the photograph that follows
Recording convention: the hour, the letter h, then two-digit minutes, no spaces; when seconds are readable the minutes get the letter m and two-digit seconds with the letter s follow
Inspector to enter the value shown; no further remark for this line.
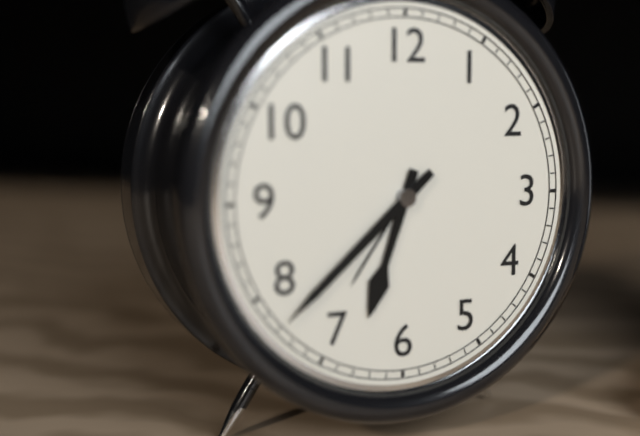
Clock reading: 6h38
